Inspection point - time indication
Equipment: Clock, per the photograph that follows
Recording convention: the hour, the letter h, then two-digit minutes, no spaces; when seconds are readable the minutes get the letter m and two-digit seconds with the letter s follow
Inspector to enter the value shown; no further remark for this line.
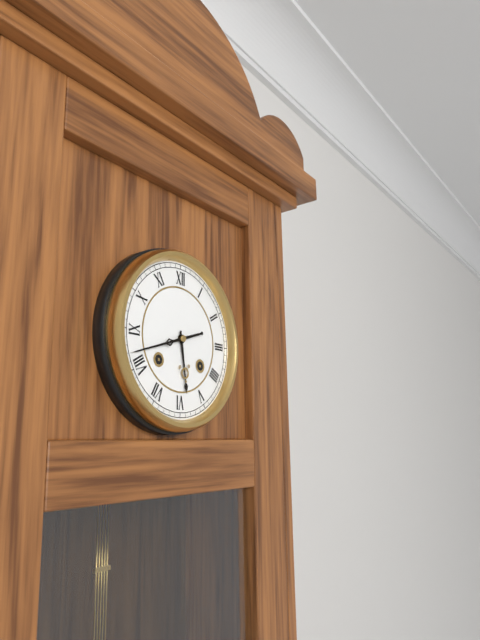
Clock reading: 5h42
